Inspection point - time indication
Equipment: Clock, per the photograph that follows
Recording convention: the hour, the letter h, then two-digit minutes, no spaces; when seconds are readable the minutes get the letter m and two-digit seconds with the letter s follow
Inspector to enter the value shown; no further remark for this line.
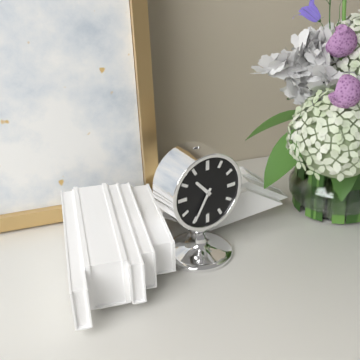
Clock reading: 10h35
